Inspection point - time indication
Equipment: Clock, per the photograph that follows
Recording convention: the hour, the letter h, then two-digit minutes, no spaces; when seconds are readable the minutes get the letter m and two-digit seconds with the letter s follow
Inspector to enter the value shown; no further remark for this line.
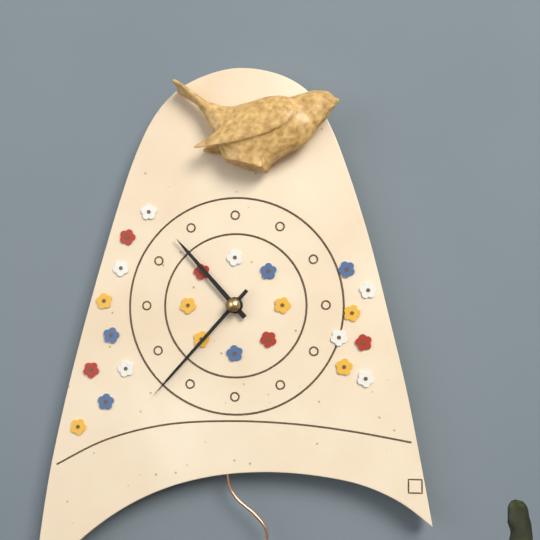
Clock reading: 10h37
